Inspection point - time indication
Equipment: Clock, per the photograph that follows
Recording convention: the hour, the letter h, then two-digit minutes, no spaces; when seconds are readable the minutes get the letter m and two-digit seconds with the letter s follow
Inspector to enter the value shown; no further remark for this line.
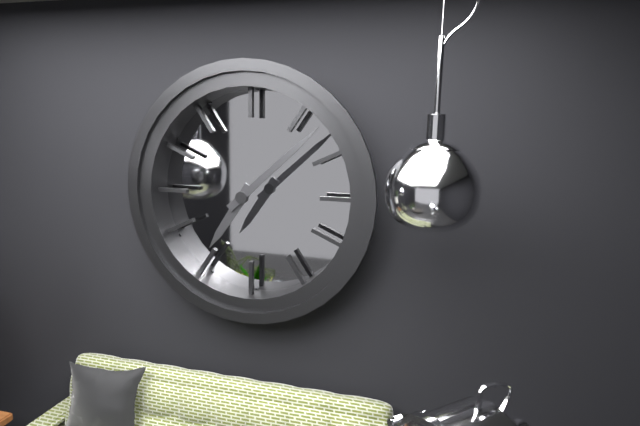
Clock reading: 7h08
